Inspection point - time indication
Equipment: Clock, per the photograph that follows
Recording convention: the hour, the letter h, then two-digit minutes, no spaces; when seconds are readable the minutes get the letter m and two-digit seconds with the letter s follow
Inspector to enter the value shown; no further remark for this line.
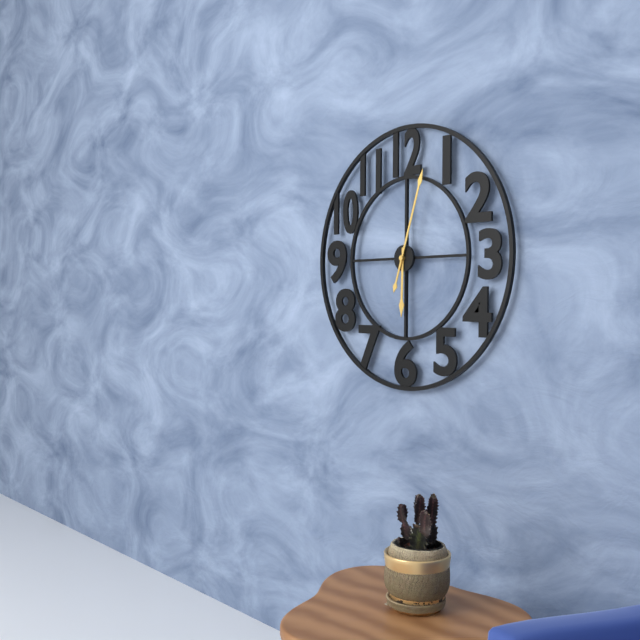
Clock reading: 6h03
